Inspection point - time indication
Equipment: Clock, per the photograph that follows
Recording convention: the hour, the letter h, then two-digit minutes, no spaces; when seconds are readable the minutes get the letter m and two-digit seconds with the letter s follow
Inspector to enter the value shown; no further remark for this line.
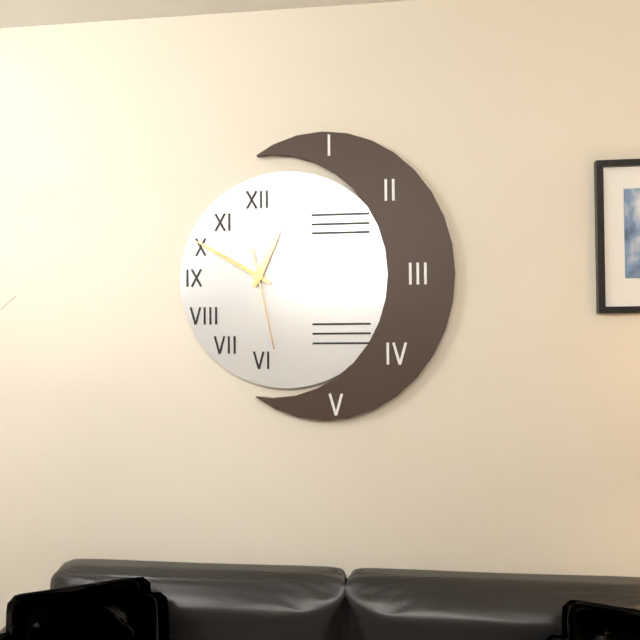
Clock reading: 12h50m28s
